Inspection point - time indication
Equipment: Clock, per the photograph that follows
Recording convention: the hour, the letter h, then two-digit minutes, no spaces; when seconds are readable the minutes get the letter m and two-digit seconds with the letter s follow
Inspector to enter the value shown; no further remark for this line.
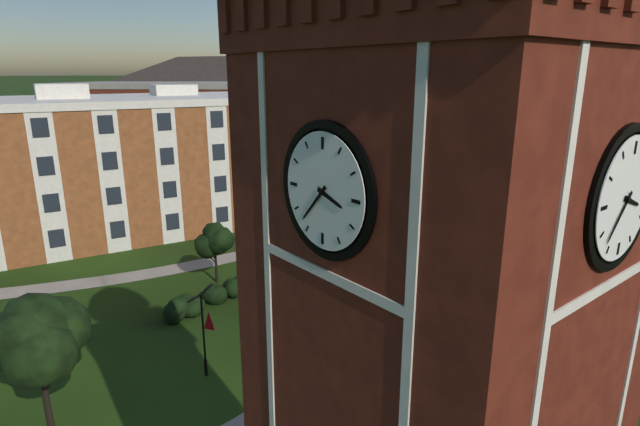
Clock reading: 3h37
